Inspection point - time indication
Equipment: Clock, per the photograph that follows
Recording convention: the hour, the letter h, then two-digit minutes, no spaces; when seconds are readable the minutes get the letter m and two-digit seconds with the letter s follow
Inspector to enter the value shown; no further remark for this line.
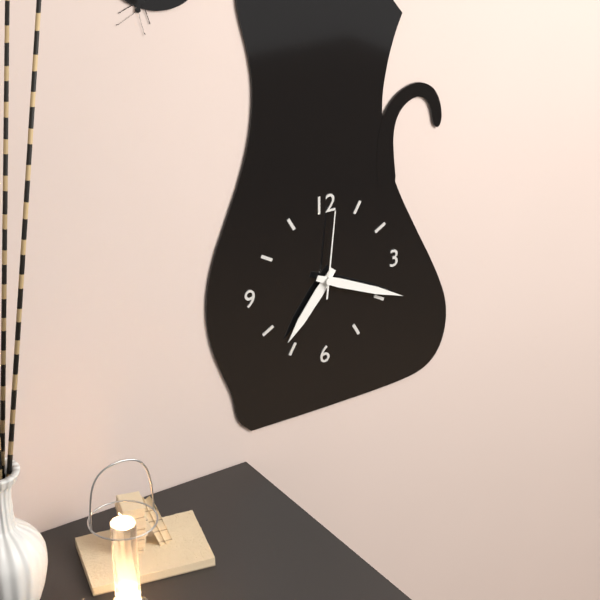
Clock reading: 7h19m01s
